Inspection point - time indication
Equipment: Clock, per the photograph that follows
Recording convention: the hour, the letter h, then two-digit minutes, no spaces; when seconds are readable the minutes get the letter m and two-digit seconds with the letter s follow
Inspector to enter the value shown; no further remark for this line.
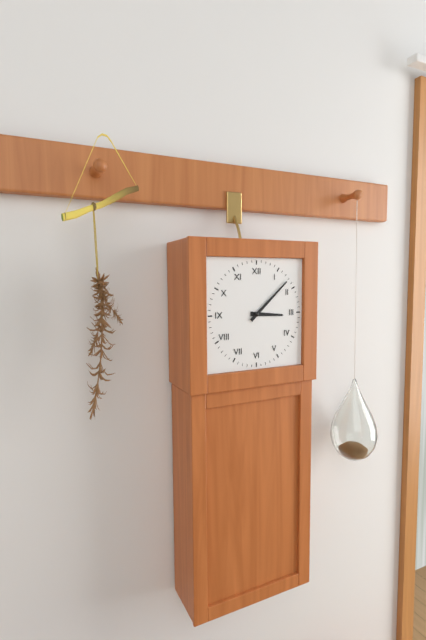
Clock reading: 3h08
